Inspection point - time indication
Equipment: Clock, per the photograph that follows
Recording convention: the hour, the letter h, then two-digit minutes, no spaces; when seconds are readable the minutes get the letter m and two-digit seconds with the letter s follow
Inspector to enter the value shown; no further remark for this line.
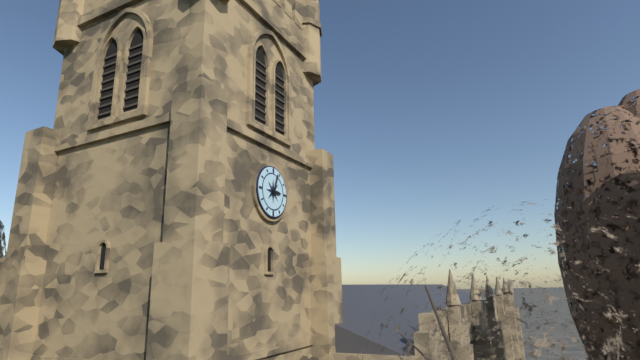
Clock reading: 3h03
